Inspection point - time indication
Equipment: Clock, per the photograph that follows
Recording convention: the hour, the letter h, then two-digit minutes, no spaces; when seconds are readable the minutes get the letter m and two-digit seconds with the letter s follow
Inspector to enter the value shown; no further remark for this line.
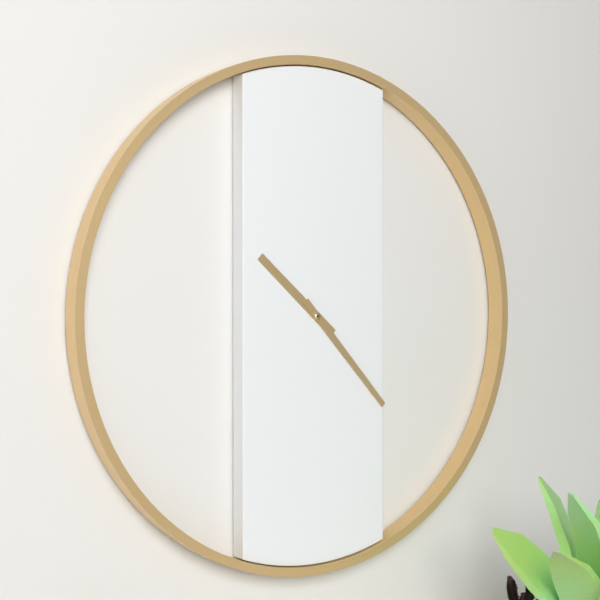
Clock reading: 10h23
